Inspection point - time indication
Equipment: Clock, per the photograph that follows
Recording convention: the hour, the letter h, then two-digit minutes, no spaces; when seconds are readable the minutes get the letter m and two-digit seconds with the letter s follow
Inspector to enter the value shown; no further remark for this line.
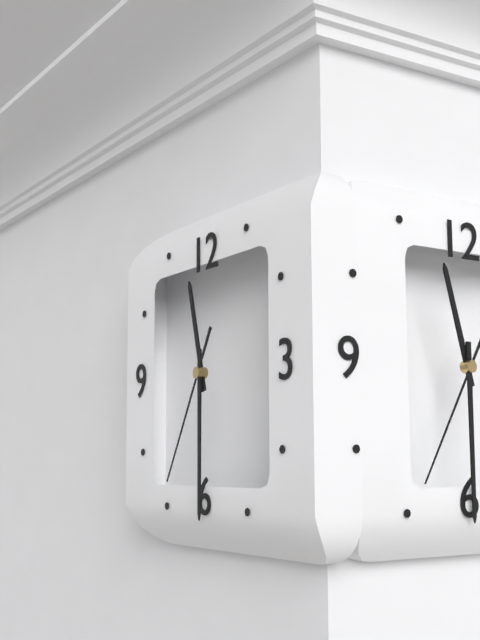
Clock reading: 11h30m35s
